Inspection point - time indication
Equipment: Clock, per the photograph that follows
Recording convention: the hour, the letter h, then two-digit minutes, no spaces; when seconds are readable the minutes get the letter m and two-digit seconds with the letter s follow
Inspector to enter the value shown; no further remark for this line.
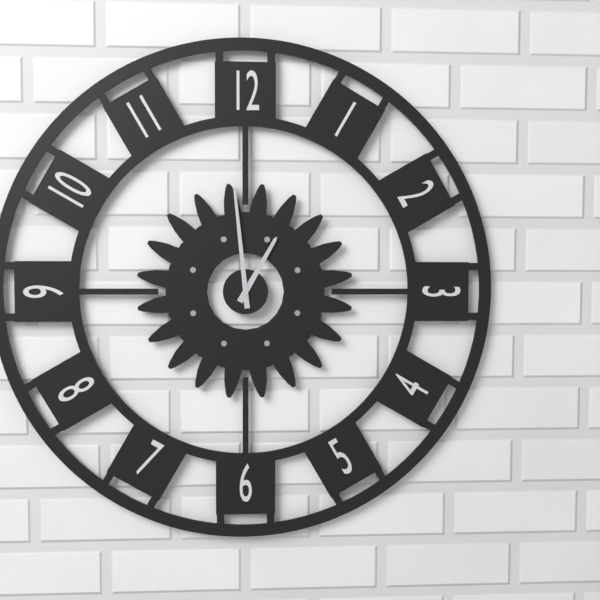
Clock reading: 12h59
